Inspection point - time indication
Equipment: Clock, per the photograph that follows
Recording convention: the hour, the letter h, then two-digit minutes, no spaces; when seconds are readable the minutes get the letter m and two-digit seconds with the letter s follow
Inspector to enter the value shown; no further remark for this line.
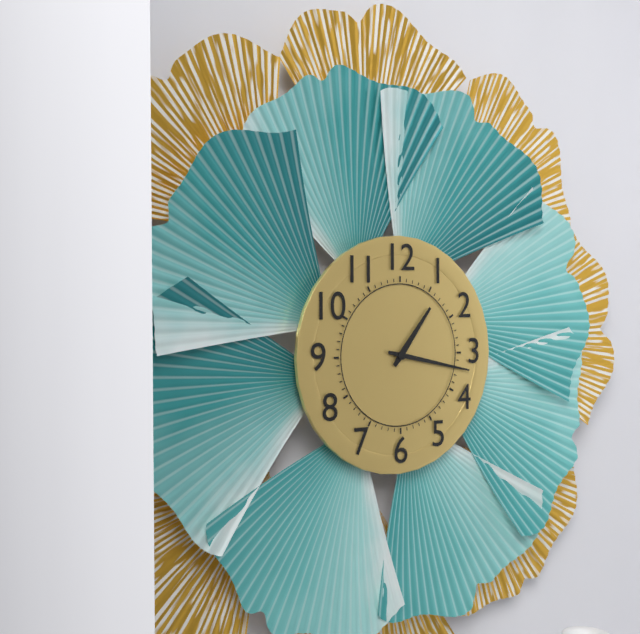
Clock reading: 1h17
